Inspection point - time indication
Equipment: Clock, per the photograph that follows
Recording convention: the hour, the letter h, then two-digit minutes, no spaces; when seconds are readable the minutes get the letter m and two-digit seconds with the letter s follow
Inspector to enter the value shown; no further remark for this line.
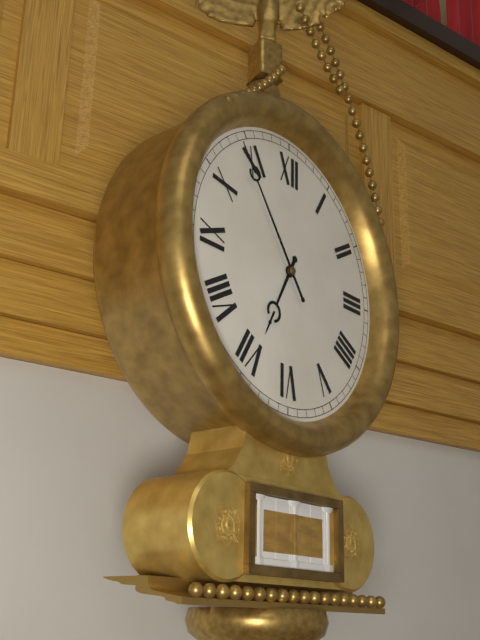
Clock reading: 6h54
